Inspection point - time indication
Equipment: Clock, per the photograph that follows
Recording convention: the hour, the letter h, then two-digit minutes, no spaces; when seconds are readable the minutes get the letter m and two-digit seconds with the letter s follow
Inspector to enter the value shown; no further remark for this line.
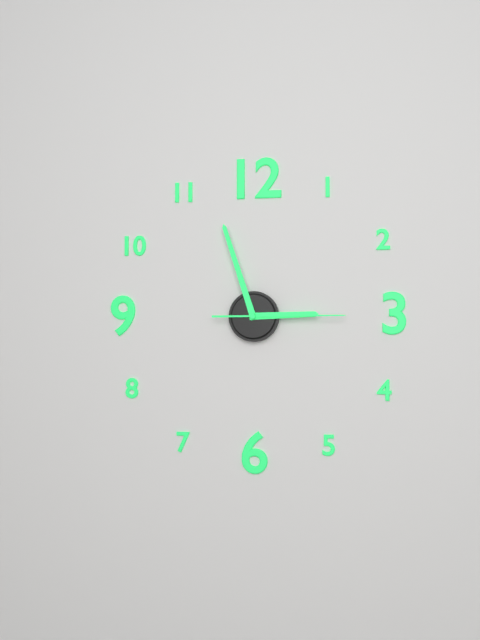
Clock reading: 2h57m15s
